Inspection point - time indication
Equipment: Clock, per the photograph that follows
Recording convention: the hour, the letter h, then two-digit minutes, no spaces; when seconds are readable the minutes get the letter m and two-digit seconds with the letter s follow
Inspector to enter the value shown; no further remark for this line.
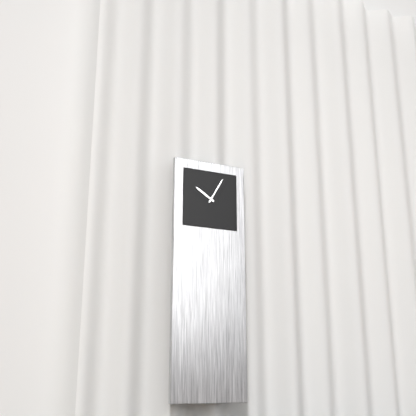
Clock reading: 10h05
